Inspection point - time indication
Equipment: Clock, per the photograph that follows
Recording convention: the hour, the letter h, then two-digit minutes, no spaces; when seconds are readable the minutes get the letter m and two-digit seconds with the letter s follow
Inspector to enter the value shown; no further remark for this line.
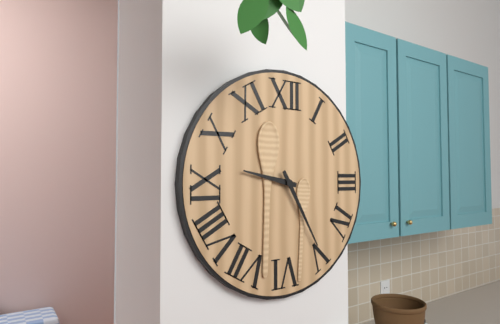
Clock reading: 9h25
